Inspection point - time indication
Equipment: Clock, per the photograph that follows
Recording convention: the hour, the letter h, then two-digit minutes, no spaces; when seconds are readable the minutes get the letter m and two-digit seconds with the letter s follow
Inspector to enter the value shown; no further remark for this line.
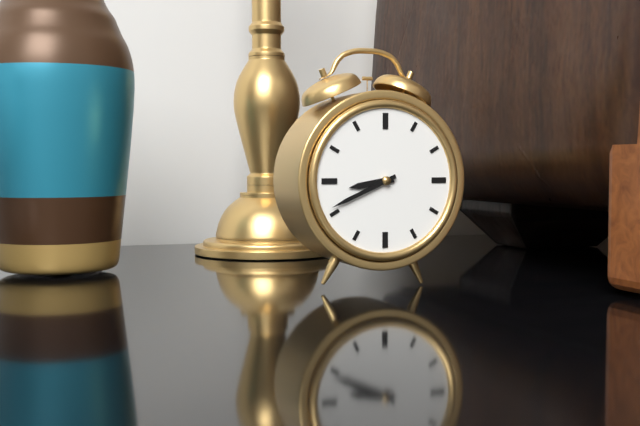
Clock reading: 8h41
